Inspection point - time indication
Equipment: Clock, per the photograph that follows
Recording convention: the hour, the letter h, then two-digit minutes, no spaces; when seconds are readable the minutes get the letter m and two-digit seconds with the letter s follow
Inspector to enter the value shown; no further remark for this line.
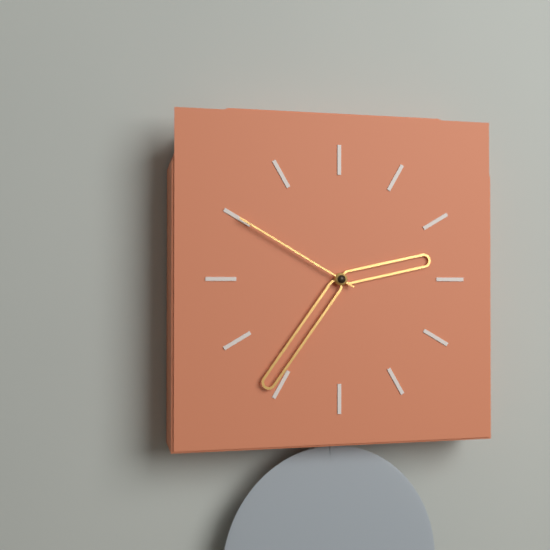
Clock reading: 2h36m50s
